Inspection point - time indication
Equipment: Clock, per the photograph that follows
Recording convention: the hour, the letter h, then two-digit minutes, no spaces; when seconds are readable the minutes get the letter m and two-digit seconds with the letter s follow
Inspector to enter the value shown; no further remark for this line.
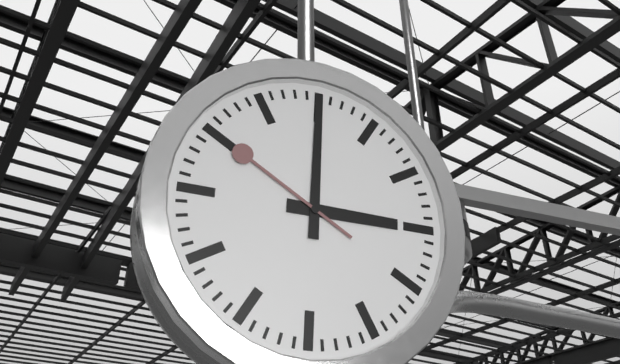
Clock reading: 3h00m50s
